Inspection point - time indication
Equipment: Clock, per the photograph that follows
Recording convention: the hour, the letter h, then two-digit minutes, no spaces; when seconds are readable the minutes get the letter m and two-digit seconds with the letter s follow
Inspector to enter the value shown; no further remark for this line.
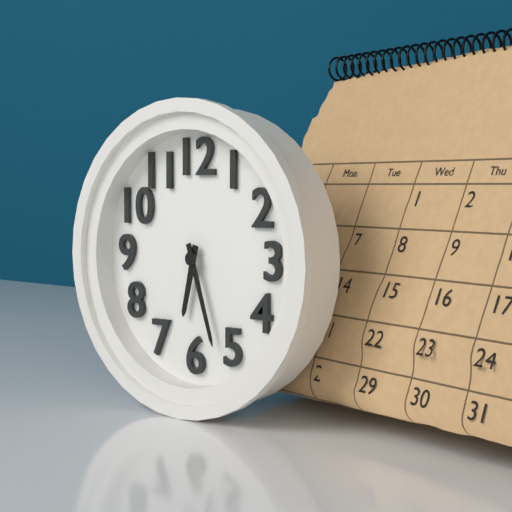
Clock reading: 6h27
